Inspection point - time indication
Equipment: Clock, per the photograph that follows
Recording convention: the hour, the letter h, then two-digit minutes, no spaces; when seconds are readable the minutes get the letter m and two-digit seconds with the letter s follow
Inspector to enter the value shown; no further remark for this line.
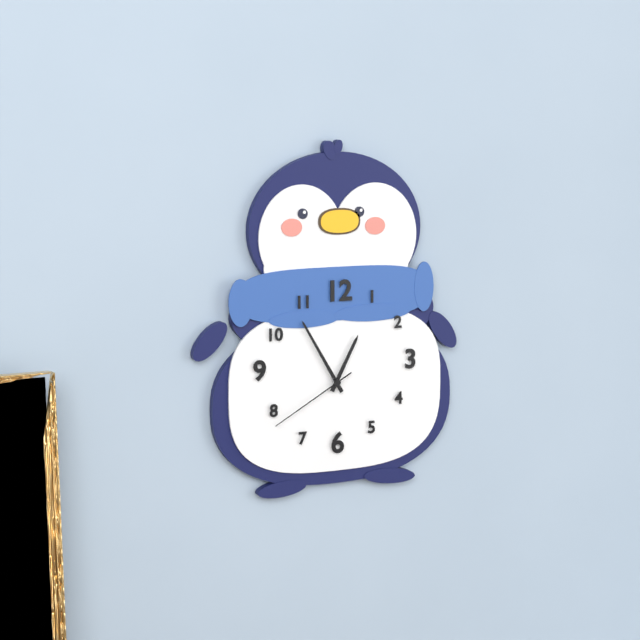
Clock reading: 12h55m40s
